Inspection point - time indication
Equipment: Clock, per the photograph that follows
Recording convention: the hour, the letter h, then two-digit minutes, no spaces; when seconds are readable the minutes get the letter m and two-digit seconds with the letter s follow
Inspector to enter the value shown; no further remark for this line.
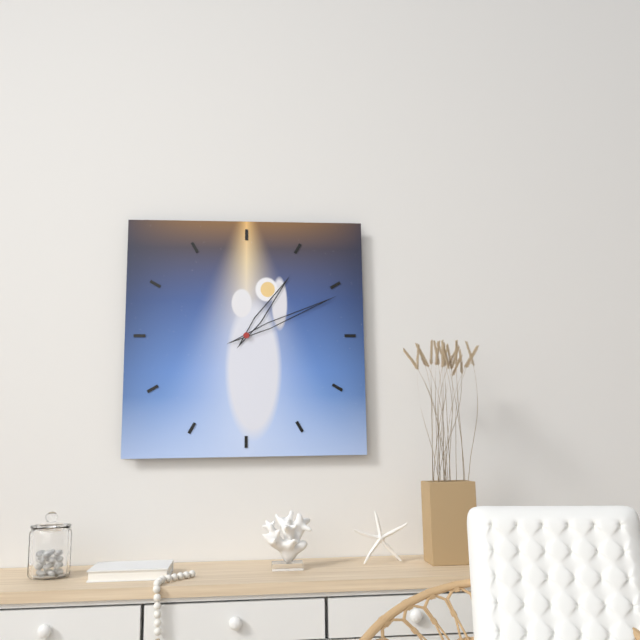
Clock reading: 1h11
